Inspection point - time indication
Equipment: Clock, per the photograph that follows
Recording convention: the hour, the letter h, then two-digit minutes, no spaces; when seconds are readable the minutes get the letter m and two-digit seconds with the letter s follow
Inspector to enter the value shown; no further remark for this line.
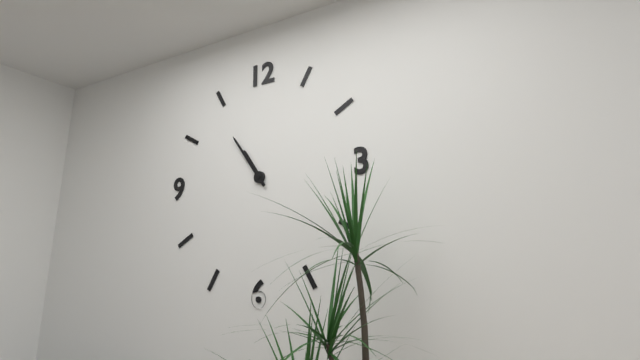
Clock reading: 10h54
